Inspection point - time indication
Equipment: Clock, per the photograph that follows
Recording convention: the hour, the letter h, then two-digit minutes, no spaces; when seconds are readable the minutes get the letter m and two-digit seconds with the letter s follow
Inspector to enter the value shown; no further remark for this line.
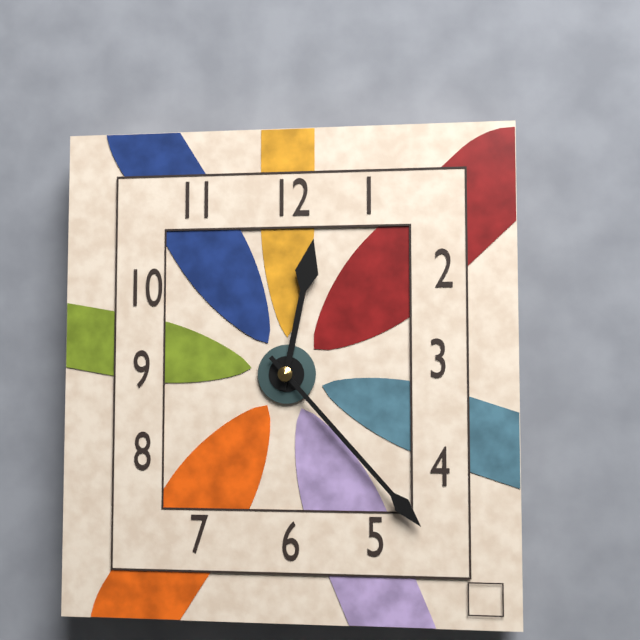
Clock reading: 12h23
